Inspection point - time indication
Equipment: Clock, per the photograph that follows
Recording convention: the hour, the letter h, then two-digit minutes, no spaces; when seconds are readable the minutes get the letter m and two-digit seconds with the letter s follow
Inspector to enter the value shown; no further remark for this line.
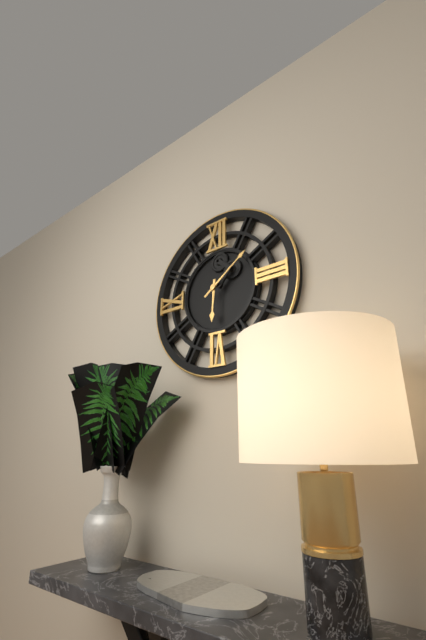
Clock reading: 6h09
